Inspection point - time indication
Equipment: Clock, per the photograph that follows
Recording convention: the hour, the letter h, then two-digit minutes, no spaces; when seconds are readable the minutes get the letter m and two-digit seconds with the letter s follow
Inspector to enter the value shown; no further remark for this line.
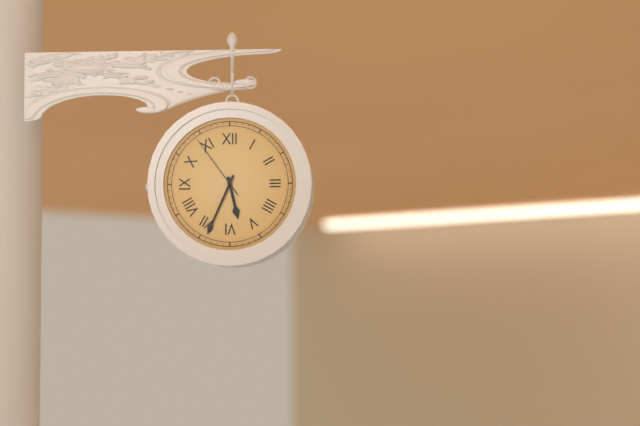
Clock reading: 5h34m54s
